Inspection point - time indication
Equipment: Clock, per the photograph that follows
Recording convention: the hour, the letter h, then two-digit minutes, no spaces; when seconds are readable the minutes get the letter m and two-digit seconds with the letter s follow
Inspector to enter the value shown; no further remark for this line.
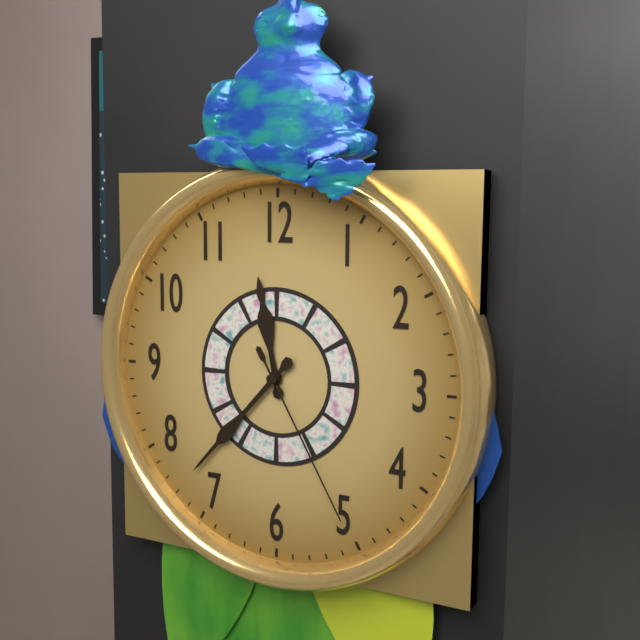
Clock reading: 11h37m25s
